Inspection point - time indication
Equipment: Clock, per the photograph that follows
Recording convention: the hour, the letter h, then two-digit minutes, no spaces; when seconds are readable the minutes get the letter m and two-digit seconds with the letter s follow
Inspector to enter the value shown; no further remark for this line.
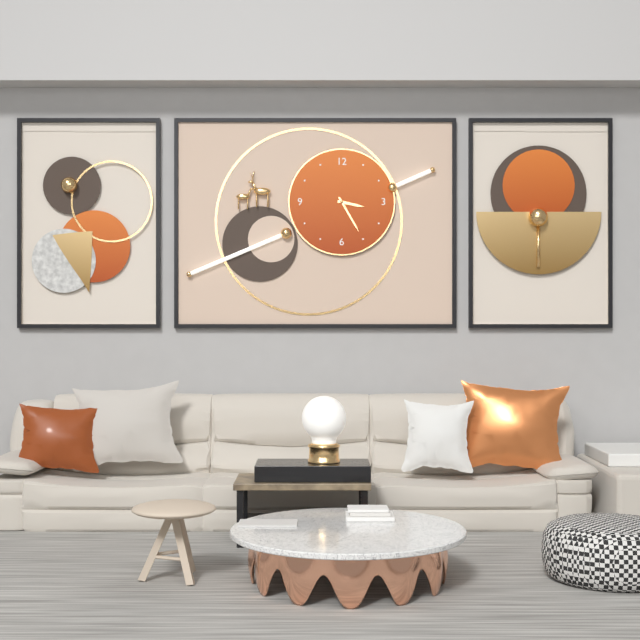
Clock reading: 3h25
